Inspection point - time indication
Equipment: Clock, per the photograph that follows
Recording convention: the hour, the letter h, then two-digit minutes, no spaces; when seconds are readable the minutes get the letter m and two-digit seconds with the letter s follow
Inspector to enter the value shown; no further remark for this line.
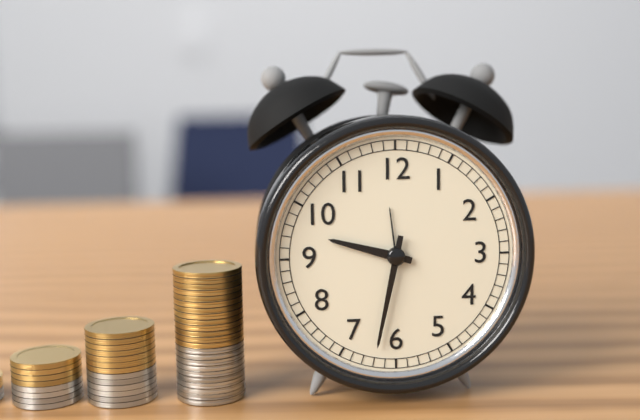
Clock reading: 9h32
